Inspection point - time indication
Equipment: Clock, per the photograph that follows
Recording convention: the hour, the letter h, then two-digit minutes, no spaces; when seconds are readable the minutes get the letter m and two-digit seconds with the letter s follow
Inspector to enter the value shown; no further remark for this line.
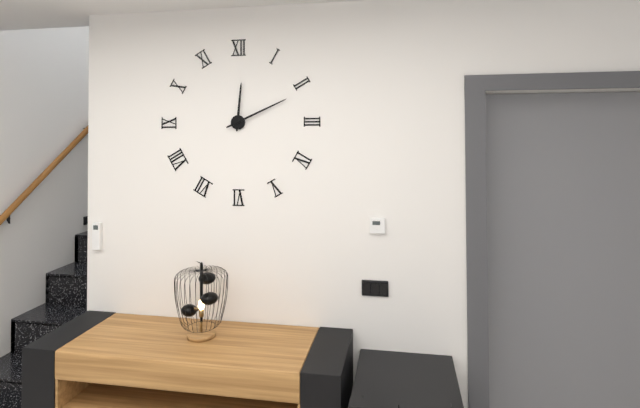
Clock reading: 12h11
